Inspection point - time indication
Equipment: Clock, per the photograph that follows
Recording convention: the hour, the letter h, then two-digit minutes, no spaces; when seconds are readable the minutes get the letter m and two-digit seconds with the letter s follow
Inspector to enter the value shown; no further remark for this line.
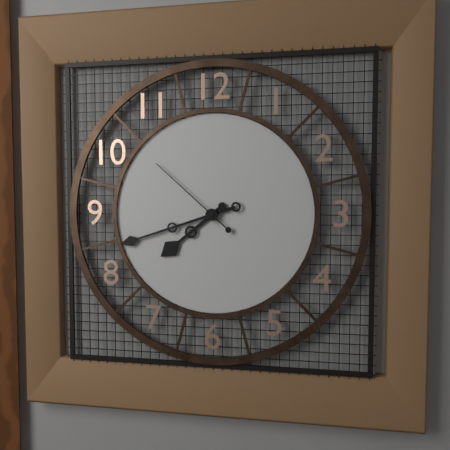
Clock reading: 7h42m52s
